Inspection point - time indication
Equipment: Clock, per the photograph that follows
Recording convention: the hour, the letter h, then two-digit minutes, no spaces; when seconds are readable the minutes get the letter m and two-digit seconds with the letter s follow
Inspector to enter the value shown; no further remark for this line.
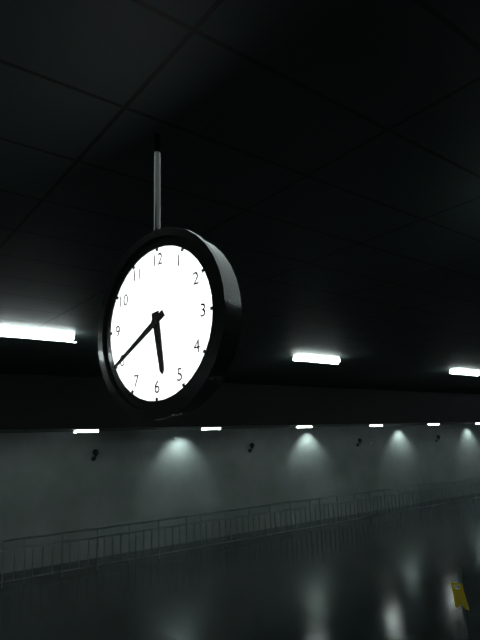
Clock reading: 5h40
